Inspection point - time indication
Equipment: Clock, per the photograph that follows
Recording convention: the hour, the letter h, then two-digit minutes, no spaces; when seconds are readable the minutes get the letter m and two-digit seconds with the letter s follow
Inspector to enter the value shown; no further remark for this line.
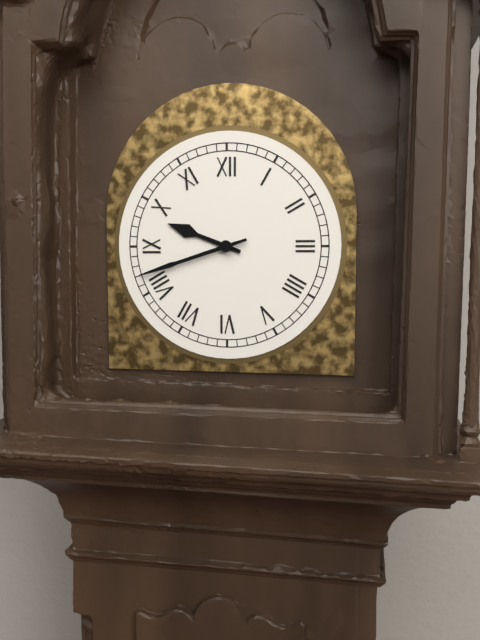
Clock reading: 9h42
